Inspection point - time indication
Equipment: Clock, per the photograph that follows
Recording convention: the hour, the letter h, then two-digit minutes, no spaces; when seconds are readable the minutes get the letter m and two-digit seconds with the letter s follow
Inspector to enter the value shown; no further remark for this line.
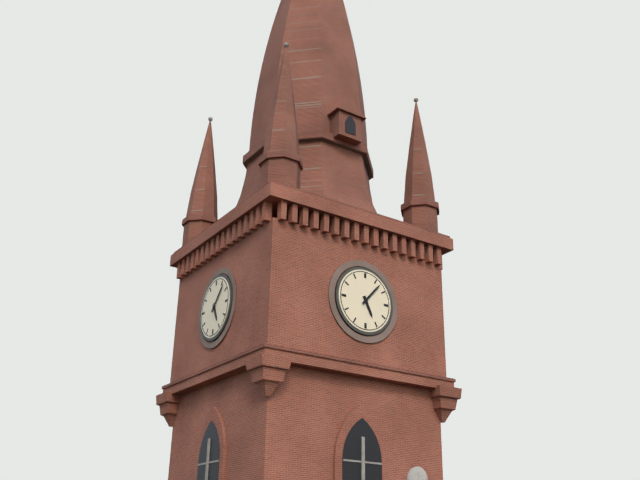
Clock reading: 5h07
